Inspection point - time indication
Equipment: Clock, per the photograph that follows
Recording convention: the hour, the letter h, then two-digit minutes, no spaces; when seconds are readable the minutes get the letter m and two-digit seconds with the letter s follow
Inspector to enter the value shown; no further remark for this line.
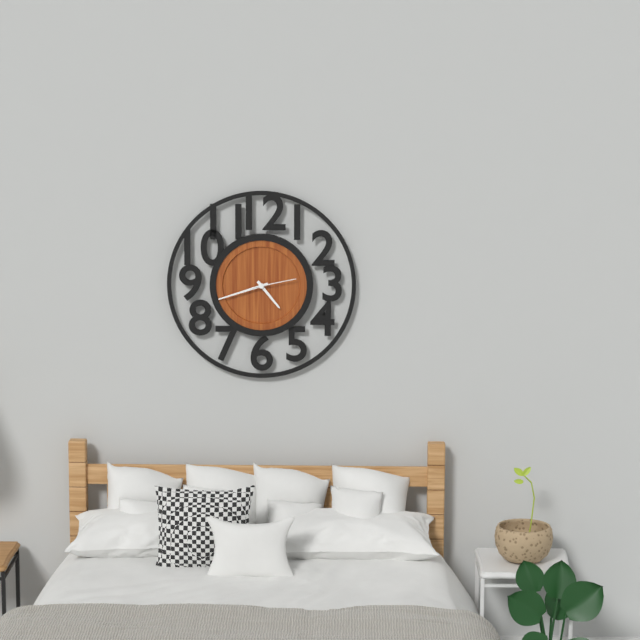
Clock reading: 4h42
